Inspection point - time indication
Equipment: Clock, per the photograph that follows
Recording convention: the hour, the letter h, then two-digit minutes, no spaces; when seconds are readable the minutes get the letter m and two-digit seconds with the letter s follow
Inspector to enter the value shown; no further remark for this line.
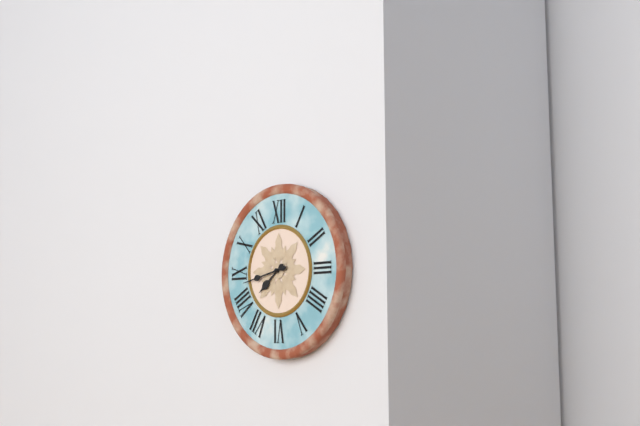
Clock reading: 7h43
